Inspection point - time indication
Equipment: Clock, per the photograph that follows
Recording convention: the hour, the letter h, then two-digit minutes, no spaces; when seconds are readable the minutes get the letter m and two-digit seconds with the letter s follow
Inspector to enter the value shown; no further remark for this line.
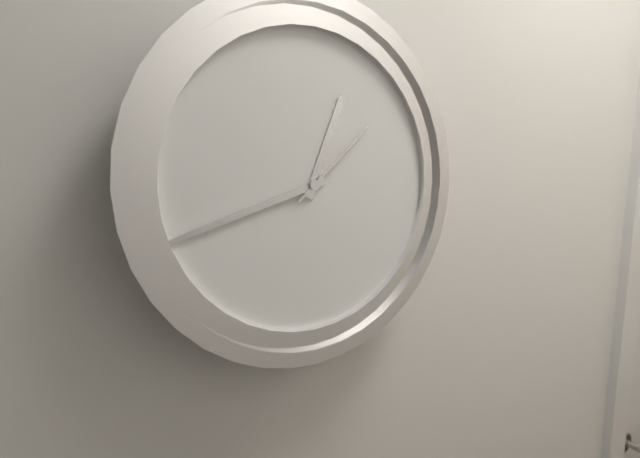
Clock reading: 12h42m08s
